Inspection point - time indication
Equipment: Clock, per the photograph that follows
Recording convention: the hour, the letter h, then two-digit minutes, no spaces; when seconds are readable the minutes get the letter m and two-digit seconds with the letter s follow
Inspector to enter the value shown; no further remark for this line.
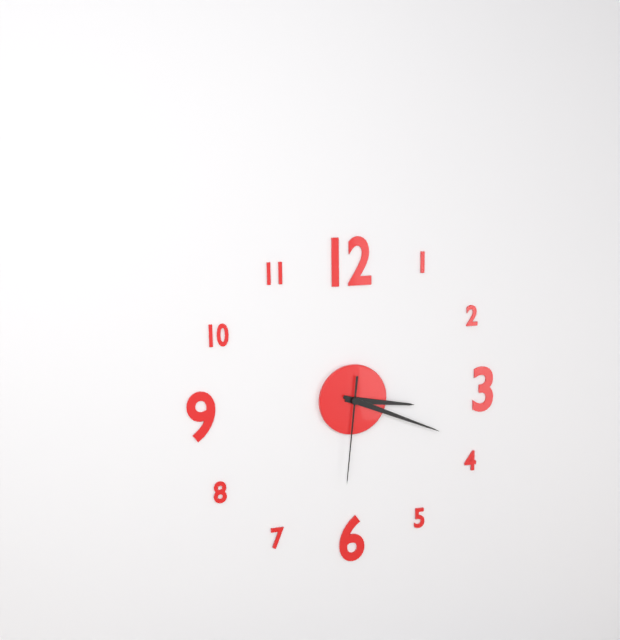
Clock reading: 3h19m31s
